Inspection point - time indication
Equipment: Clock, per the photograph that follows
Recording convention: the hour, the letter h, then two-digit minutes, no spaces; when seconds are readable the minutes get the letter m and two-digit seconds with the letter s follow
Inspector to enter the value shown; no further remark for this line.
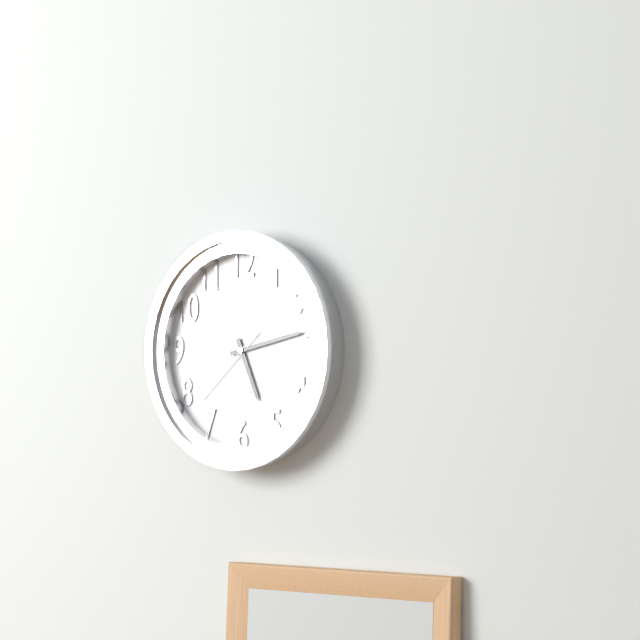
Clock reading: 5h13m38s
